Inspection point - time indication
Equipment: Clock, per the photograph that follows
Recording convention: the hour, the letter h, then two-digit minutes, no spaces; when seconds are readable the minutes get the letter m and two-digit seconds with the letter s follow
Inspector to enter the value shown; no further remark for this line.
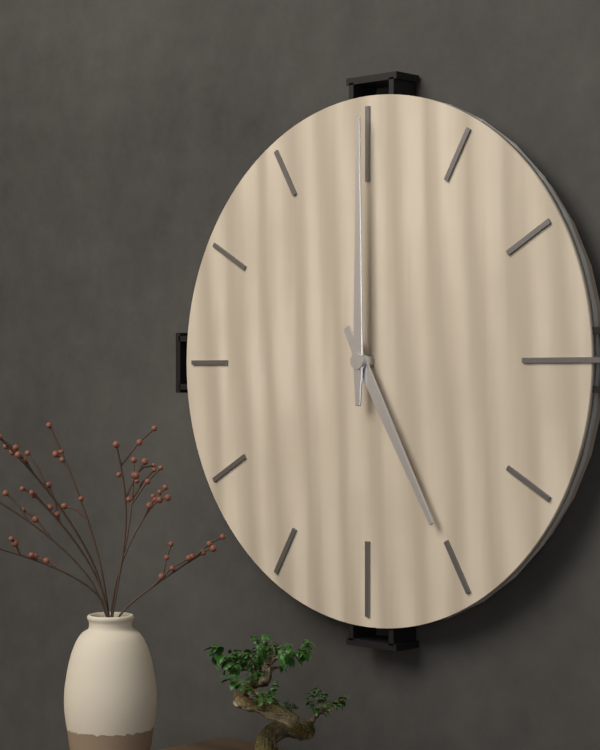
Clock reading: 5h00
